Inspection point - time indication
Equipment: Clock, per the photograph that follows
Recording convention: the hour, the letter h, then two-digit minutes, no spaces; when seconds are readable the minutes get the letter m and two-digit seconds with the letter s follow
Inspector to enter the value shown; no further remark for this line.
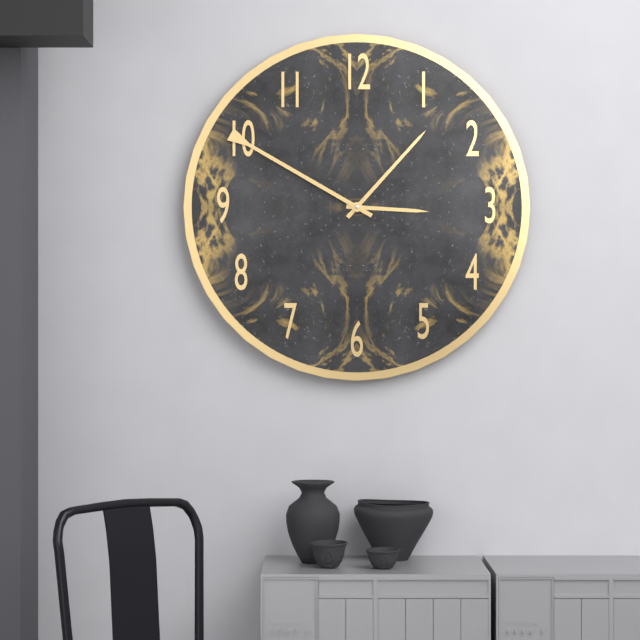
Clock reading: 3h07m50s
